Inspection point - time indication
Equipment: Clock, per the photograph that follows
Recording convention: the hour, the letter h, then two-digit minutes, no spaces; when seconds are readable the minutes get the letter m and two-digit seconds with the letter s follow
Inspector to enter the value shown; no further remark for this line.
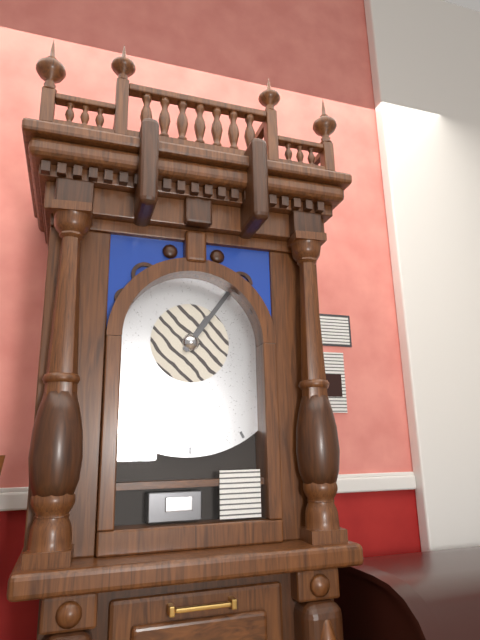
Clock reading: 1h06
